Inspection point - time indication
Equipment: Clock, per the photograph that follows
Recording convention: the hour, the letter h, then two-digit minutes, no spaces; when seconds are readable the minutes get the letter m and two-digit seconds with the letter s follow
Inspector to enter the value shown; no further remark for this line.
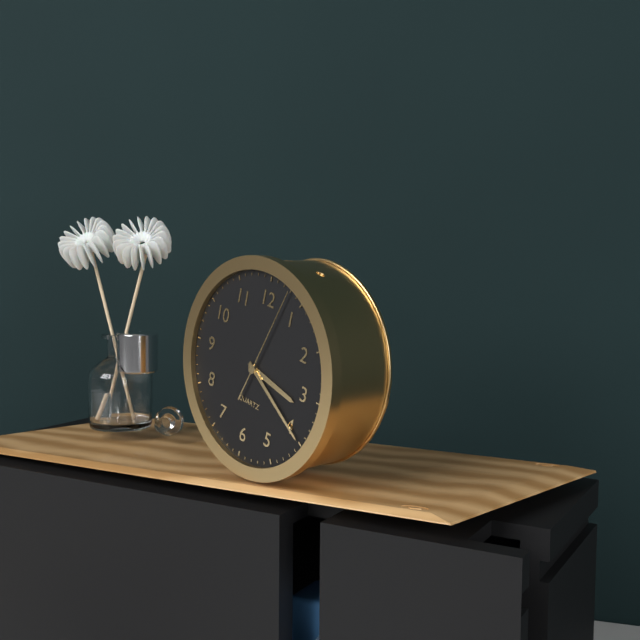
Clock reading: 3h20m03s
